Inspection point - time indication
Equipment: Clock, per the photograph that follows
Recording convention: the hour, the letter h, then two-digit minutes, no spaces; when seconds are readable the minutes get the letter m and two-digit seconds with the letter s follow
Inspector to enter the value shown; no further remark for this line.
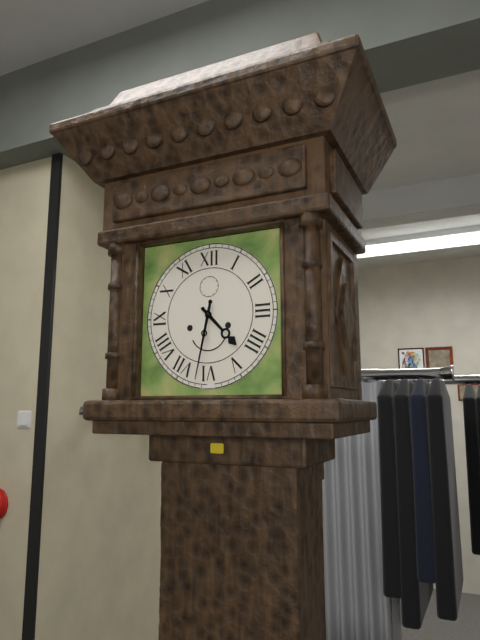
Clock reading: 4h32
